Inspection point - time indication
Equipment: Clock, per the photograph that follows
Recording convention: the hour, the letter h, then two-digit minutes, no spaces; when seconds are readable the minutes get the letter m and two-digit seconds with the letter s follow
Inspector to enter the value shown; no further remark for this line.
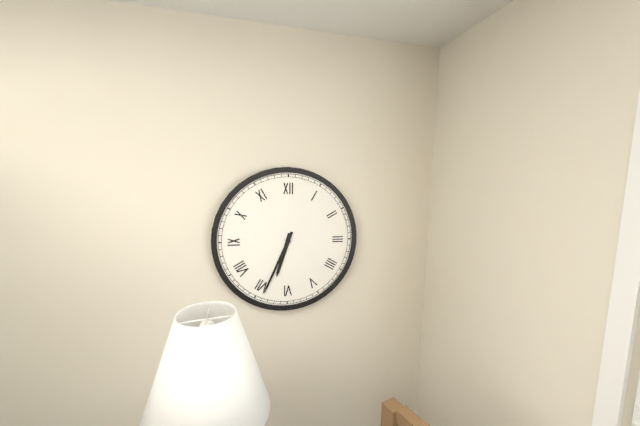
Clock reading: 6h34
